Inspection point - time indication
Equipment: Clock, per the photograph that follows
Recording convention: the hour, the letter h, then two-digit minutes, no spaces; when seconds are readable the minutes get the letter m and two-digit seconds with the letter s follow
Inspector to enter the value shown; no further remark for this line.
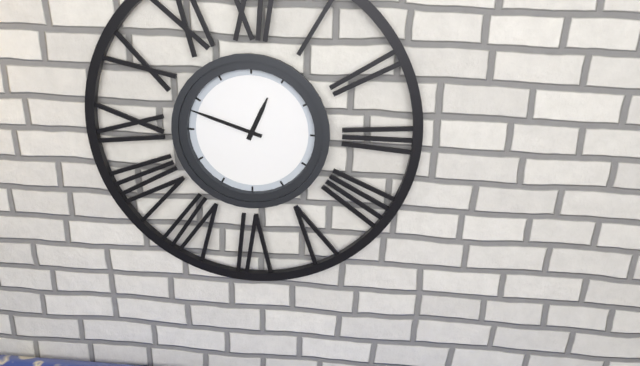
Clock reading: 12h48
